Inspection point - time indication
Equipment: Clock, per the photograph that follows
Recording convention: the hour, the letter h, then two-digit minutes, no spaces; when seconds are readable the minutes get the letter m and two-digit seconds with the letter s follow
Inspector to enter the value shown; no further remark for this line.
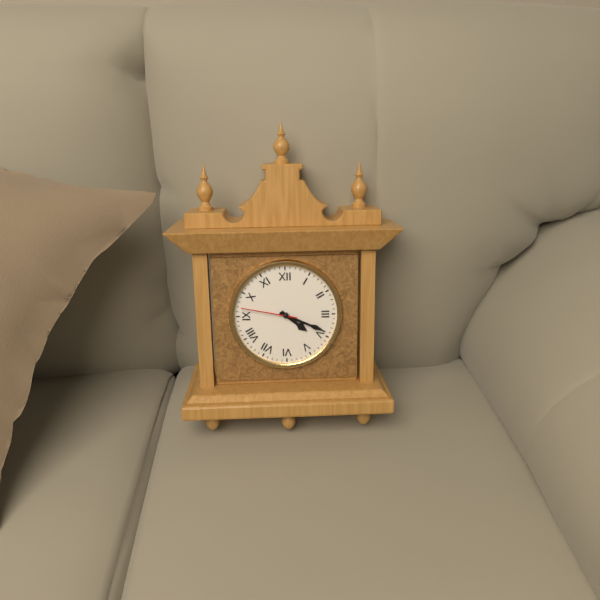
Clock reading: 4h19m47s
